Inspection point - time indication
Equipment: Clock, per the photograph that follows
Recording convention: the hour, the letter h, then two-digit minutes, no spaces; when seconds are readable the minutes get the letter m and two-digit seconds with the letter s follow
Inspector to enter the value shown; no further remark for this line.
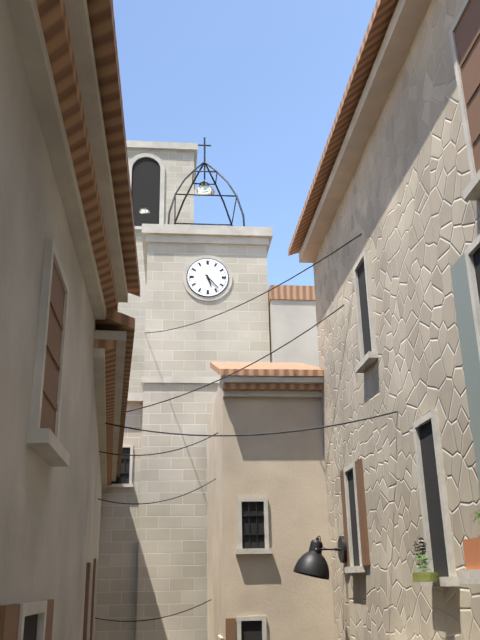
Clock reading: 5h23
